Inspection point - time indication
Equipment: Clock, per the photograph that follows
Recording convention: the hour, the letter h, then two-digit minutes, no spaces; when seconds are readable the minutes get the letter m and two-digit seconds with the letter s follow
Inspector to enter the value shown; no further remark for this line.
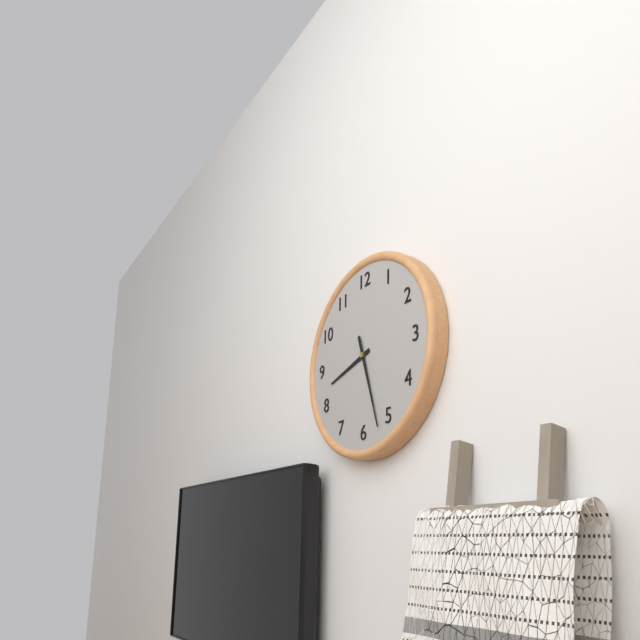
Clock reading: 8h27
